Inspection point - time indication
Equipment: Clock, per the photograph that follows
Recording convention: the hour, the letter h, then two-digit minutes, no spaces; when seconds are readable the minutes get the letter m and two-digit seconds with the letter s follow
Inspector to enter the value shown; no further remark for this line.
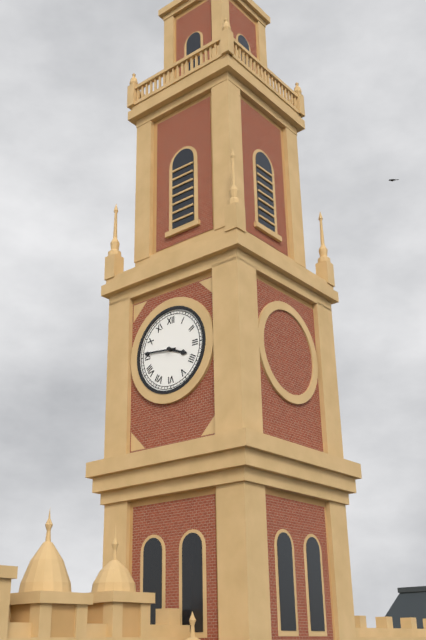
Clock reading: 3h46
